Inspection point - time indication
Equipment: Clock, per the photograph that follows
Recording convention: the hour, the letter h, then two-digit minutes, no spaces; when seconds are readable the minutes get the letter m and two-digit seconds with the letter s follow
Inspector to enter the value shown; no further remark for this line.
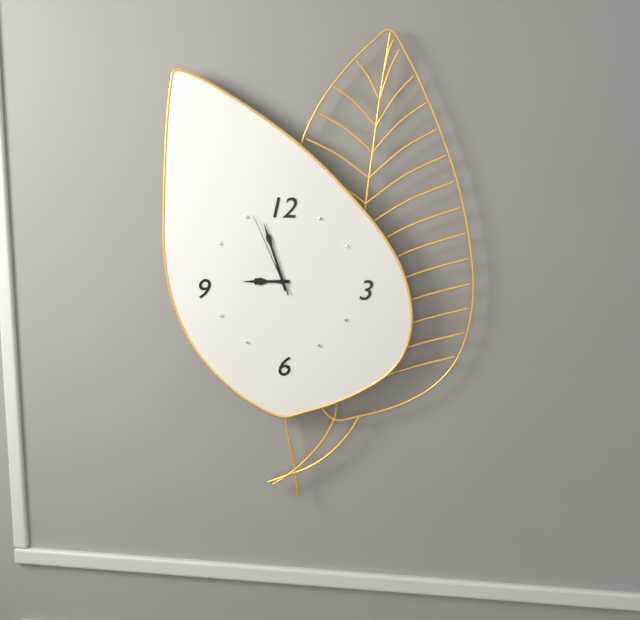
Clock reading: 8h57m56s
